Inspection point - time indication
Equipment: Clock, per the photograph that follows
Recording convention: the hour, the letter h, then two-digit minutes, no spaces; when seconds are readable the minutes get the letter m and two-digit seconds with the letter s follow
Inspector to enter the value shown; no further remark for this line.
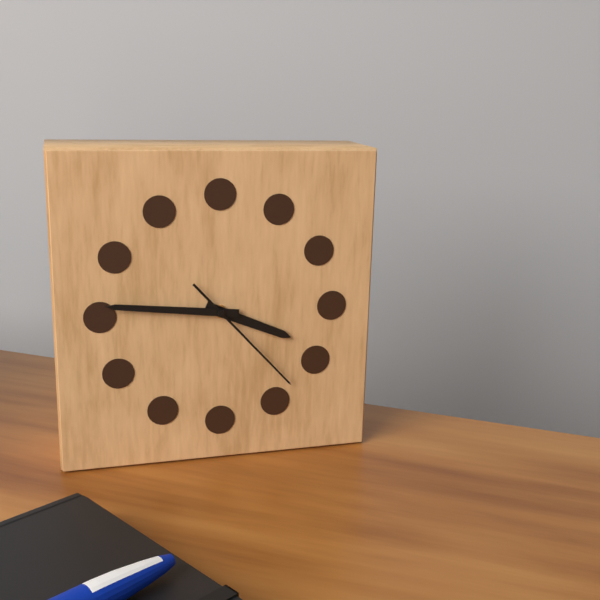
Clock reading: 3h46m23s
